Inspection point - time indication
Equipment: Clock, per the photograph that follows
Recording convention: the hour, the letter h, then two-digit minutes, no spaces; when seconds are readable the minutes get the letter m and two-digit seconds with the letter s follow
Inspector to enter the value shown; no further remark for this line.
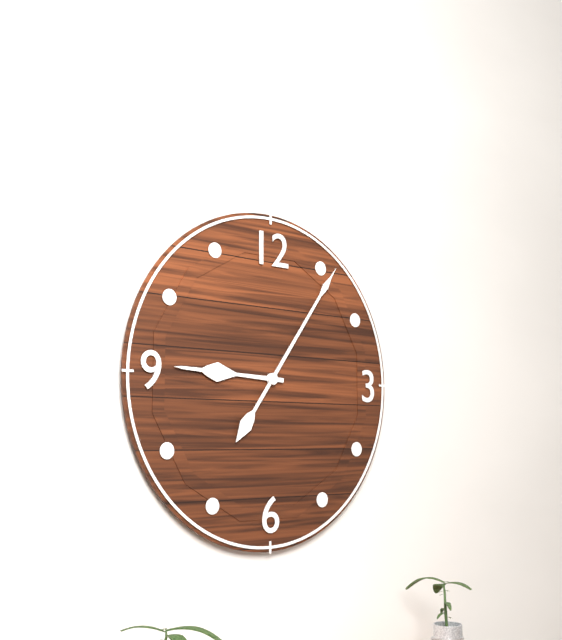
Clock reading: 9h06
